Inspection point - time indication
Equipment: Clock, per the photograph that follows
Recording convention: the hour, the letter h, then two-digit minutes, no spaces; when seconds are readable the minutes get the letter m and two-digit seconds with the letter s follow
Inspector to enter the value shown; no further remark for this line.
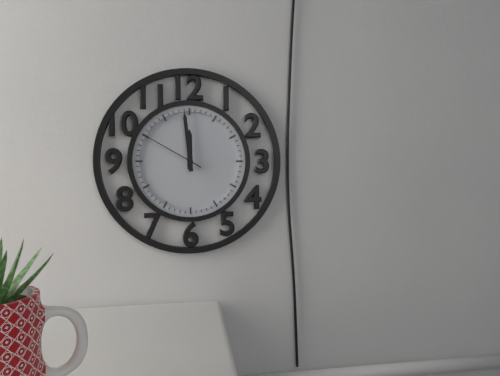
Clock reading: 11h59m50s
